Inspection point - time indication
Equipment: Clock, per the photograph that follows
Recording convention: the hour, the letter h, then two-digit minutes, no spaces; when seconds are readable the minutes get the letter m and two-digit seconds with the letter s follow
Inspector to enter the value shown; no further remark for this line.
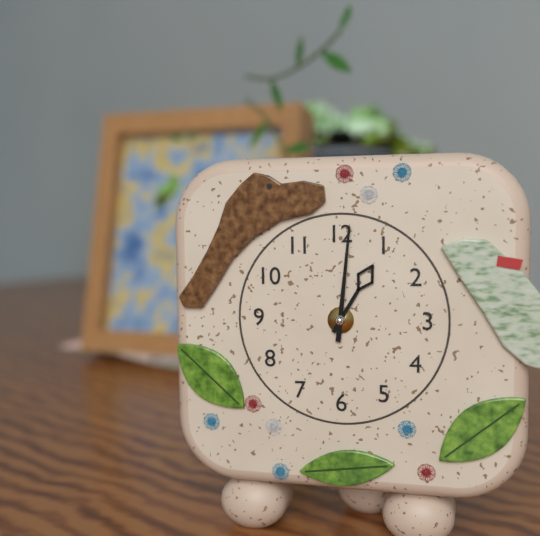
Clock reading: 1h01
